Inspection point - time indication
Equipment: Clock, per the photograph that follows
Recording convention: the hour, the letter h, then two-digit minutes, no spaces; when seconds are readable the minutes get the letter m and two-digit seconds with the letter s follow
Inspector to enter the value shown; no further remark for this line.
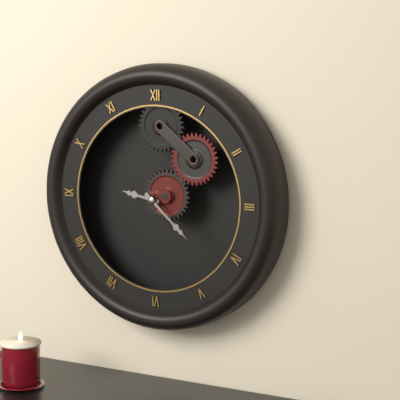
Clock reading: 9h22
